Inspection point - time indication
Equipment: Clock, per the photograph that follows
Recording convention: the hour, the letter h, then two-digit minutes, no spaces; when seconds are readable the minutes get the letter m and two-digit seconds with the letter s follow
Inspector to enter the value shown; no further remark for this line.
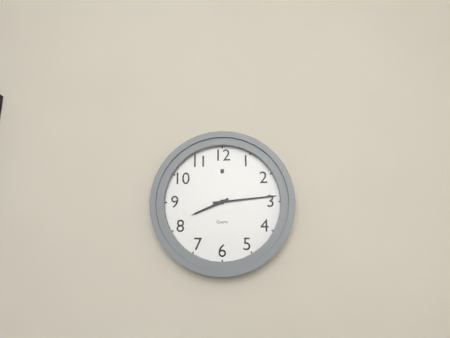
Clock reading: 8h14
